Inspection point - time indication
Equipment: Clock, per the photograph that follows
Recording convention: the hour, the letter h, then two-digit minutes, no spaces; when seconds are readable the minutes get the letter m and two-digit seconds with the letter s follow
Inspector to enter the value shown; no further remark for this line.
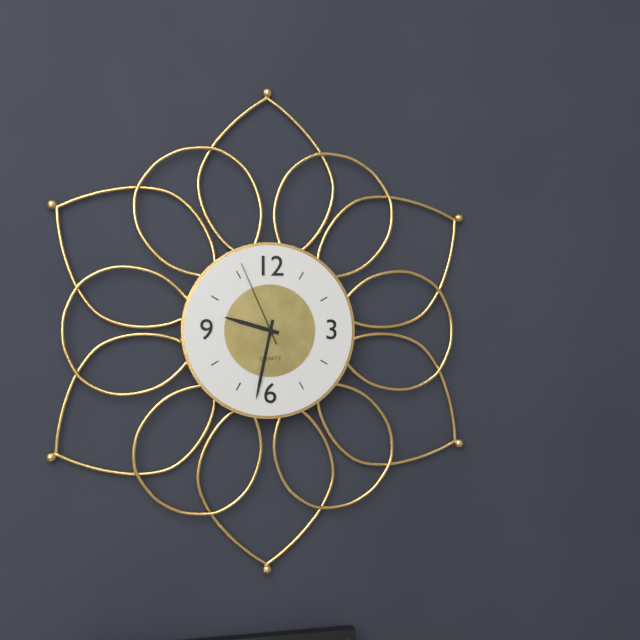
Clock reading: 9h32m56s
